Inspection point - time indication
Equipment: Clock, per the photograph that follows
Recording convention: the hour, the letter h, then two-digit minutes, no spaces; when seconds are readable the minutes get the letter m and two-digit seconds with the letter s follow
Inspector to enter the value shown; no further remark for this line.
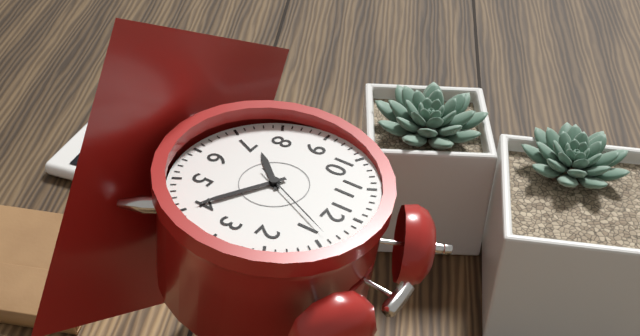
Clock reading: 7h20m04s
